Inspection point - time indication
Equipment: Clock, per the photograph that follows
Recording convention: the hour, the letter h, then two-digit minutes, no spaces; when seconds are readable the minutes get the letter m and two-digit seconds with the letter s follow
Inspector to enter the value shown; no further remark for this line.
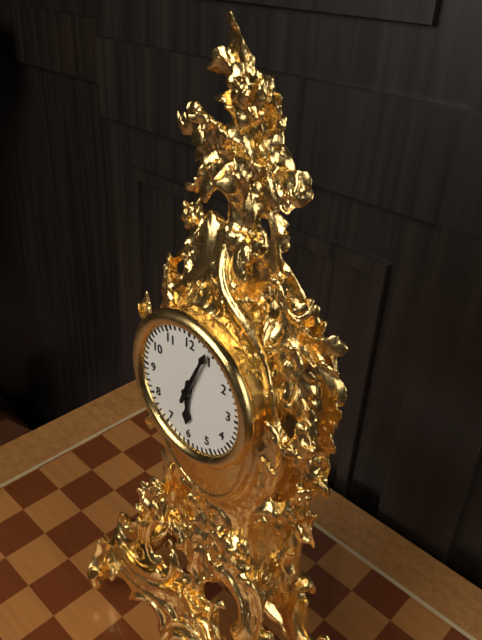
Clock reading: 6h04
